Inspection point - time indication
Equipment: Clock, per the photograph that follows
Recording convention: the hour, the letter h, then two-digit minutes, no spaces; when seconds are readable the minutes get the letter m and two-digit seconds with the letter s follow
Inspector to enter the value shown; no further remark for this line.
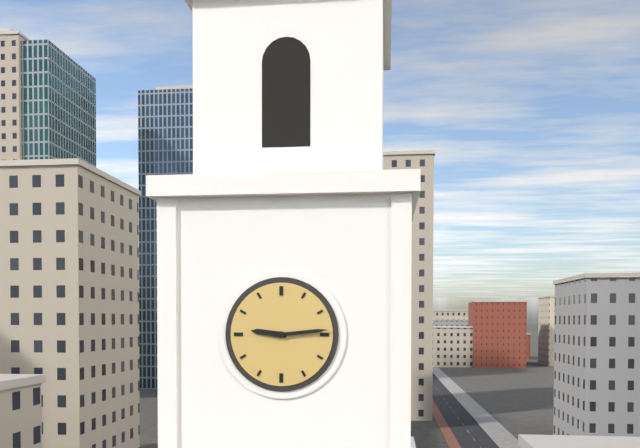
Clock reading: 9h14
